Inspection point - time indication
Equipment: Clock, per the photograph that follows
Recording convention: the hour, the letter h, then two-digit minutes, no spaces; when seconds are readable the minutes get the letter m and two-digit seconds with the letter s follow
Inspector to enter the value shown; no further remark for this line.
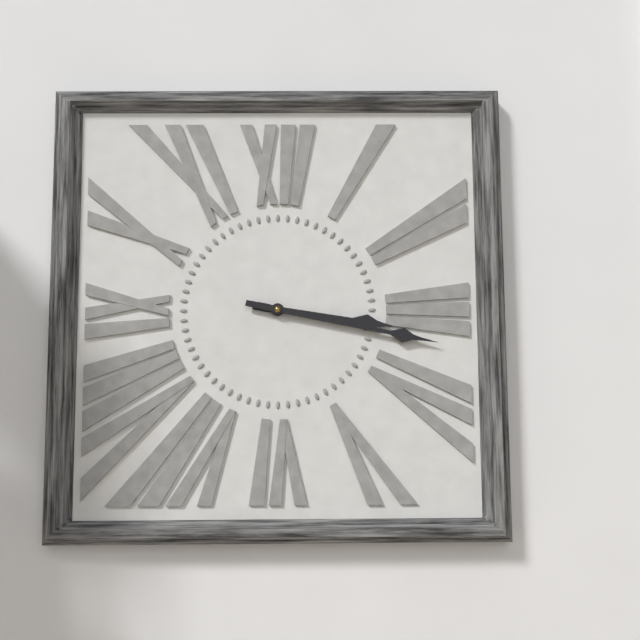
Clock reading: 3h17
